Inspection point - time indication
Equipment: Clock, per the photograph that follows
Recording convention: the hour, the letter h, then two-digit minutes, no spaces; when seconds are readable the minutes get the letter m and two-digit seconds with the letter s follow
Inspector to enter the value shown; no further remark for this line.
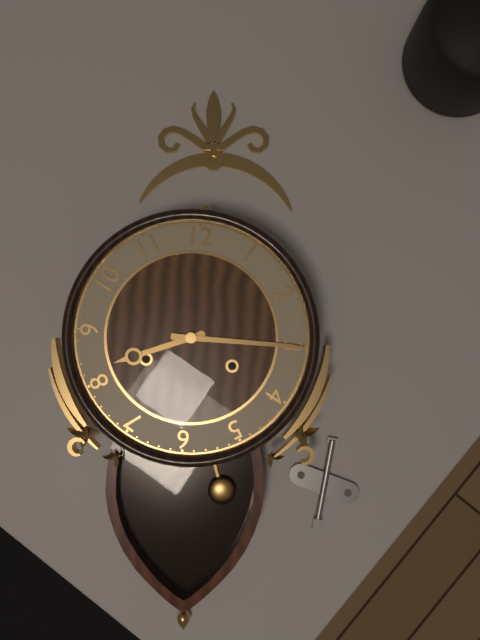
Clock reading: 8h15
